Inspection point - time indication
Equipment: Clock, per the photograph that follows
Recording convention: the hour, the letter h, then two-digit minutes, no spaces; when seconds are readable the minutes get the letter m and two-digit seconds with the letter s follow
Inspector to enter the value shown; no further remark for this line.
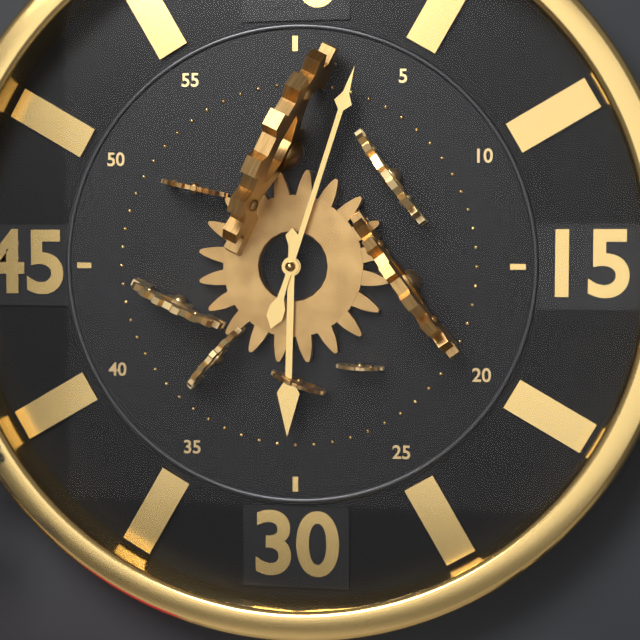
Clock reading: 6h03
